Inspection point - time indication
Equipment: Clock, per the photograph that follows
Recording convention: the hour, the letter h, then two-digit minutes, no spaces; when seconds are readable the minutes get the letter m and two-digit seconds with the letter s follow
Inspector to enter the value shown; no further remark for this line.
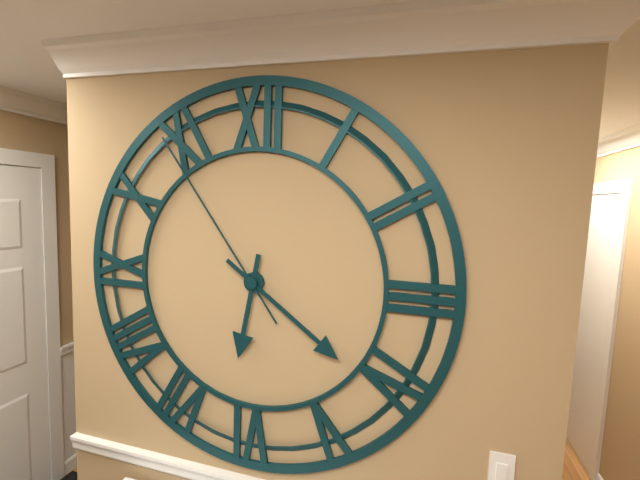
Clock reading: 6h21m54s
